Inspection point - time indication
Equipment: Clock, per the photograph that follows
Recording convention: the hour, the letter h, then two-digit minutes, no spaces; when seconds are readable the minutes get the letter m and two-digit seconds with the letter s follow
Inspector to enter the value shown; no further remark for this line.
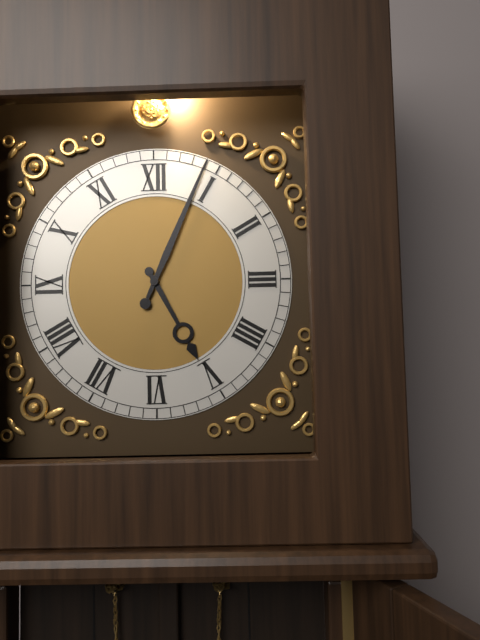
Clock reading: 5h04
